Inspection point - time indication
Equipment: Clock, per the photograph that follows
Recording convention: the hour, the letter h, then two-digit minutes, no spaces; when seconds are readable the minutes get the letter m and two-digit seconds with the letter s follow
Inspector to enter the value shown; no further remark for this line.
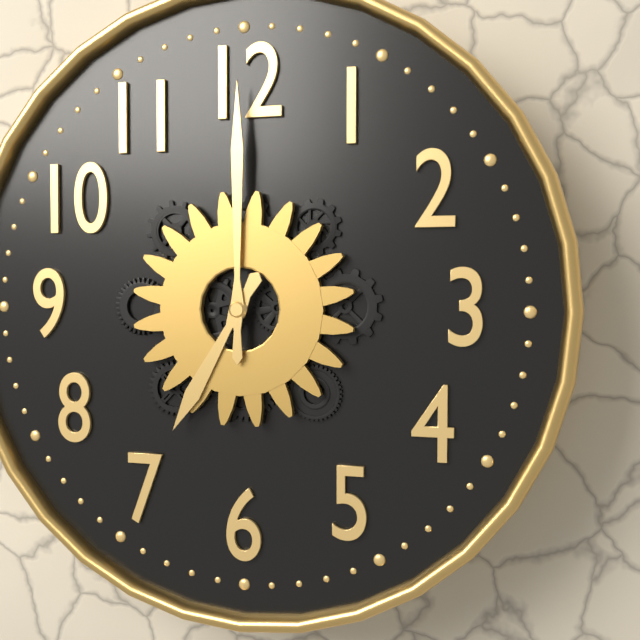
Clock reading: 7h00
